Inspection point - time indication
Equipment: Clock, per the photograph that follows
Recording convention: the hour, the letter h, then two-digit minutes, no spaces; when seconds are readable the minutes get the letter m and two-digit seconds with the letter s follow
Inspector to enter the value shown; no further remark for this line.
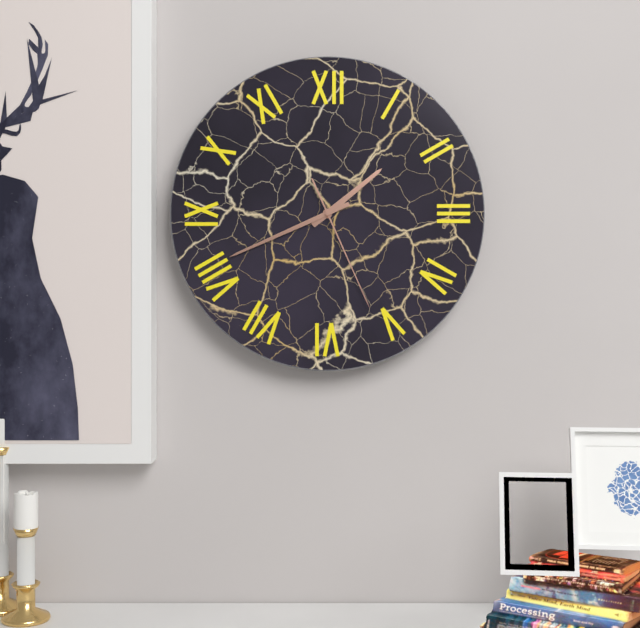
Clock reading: 1h41m26s
